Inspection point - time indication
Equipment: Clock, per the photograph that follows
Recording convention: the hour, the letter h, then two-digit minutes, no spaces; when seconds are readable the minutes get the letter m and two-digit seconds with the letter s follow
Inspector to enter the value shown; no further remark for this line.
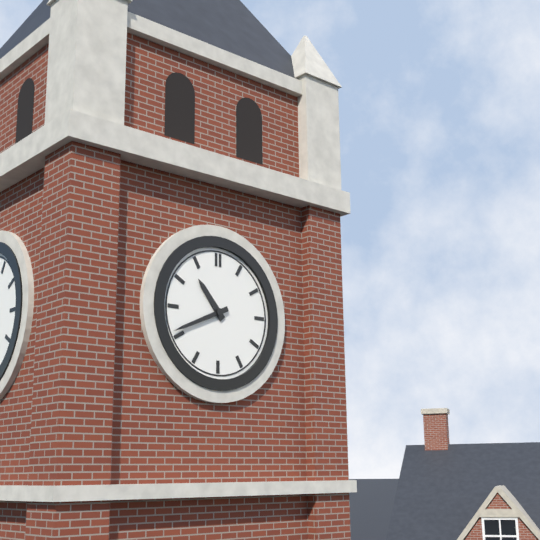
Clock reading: 10h41
